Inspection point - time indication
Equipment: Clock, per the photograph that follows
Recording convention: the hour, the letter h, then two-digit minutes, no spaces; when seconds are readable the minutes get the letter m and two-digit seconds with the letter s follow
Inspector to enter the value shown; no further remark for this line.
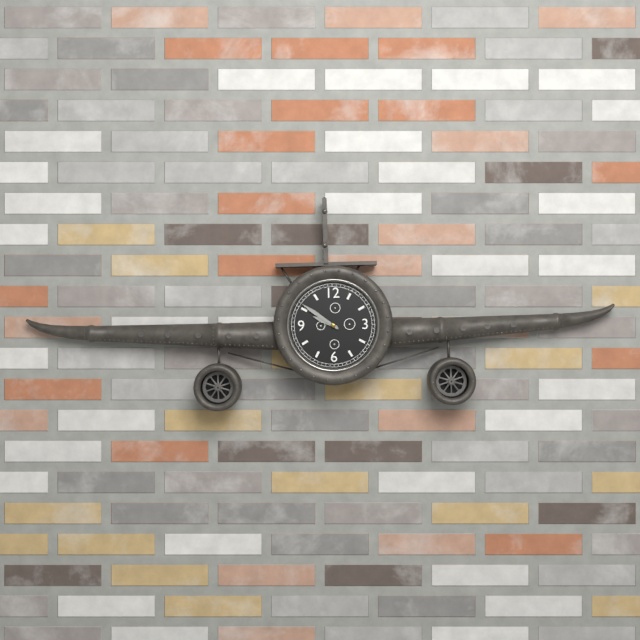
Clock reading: 9h51
